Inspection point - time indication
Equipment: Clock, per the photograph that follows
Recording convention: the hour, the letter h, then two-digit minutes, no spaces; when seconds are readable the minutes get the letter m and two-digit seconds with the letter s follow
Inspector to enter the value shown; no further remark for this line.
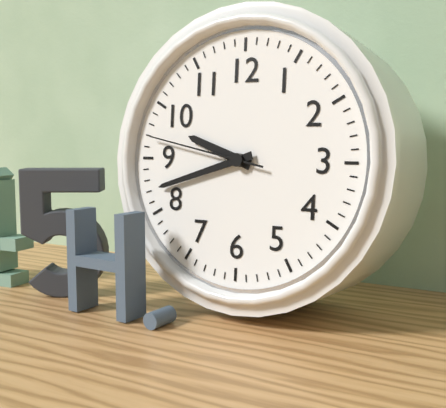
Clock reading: 9h42m47s
